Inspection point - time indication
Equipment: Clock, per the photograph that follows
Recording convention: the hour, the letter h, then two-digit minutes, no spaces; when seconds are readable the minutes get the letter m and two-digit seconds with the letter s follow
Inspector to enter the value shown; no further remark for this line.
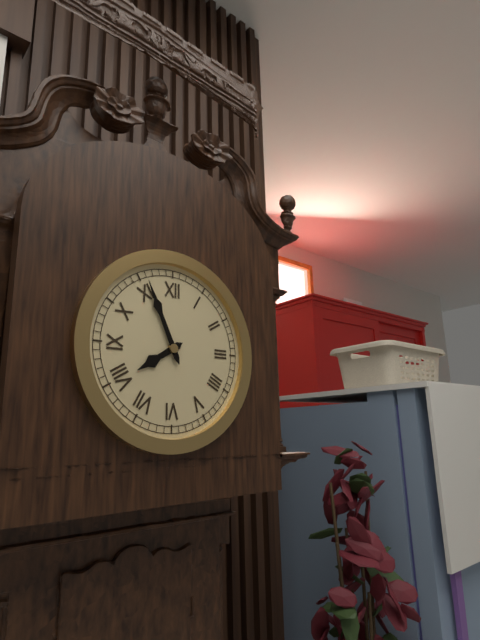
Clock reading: 7h56
